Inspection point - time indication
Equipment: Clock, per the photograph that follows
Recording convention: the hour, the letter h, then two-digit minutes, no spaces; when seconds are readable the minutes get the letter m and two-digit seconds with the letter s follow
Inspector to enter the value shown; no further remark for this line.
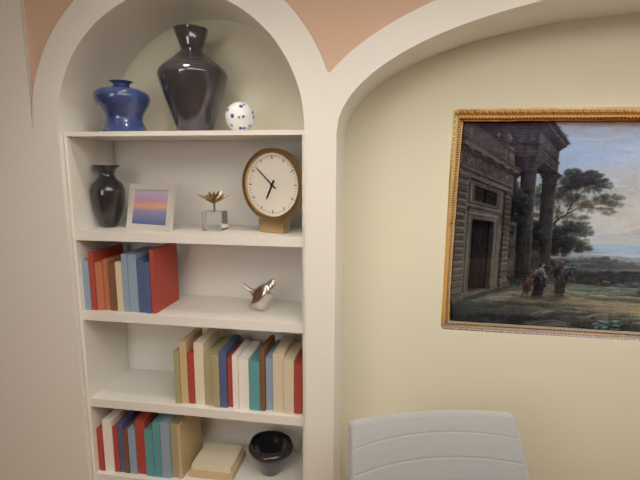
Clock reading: 6h52
